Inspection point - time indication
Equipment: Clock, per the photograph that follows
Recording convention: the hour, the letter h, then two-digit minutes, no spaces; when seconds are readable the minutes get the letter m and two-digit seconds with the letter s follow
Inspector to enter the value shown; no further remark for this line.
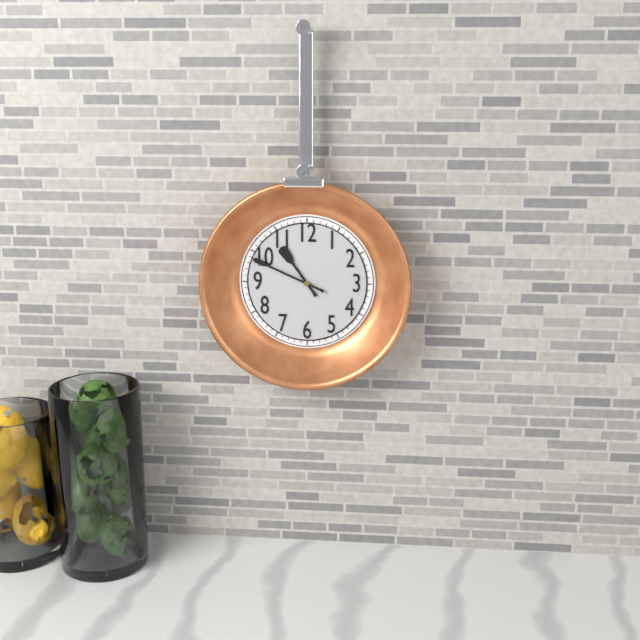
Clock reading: 10h49
